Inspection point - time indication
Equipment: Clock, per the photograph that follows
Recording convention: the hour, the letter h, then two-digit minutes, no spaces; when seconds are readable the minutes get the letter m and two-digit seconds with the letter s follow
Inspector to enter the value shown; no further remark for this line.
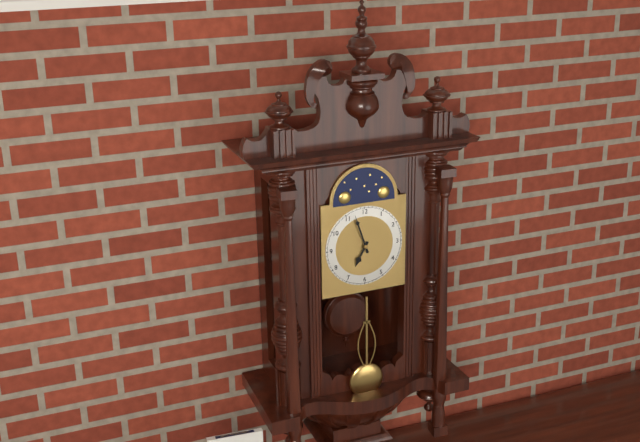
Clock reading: 6h57
